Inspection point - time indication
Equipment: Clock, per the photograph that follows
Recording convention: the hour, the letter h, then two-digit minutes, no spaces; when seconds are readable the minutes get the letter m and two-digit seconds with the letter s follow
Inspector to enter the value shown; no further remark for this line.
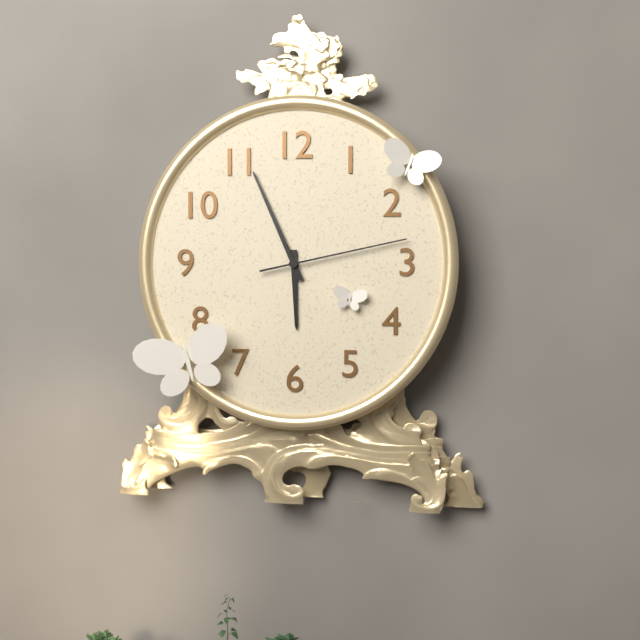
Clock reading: 5h56m13s
